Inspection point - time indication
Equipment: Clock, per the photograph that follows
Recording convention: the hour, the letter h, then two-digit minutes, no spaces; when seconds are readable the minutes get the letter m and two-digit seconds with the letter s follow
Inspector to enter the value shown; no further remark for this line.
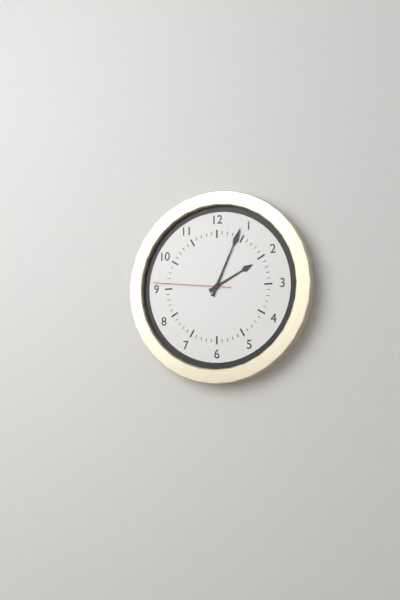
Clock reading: 2h04m46s
